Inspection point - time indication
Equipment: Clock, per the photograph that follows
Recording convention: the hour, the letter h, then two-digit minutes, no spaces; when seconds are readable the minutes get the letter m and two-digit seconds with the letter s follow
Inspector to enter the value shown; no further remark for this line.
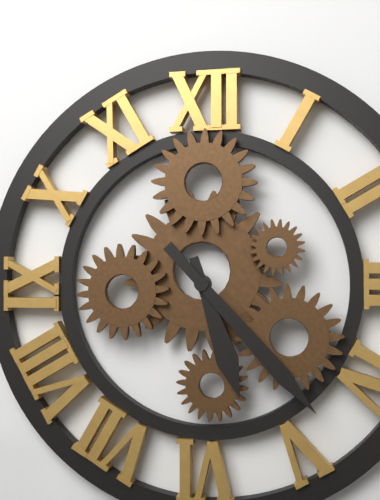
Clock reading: 5h23
